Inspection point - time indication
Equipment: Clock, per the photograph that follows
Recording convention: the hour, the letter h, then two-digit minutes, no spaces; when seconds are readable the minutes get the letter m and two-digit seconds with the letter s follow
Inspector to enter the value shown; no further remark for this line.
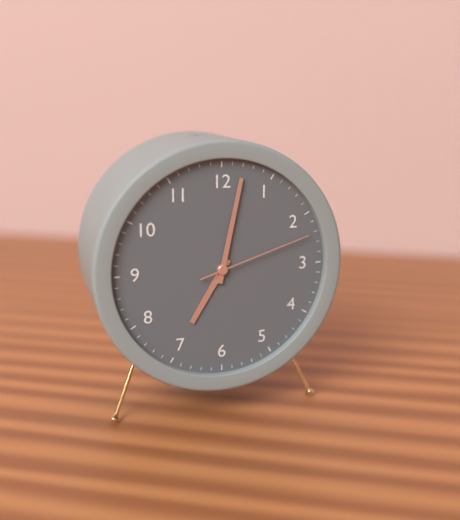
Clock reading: 7h02m12s
